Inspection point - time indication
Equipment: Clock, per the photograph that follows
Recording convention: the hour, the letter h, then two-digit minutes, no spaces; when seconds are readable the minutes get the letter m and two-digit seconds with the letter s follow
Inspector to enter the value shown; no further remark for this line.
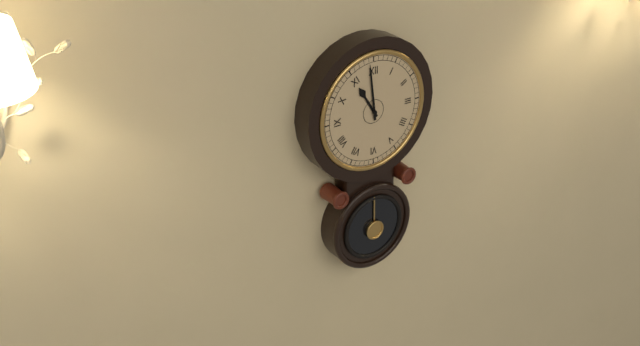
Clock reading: 10h59
